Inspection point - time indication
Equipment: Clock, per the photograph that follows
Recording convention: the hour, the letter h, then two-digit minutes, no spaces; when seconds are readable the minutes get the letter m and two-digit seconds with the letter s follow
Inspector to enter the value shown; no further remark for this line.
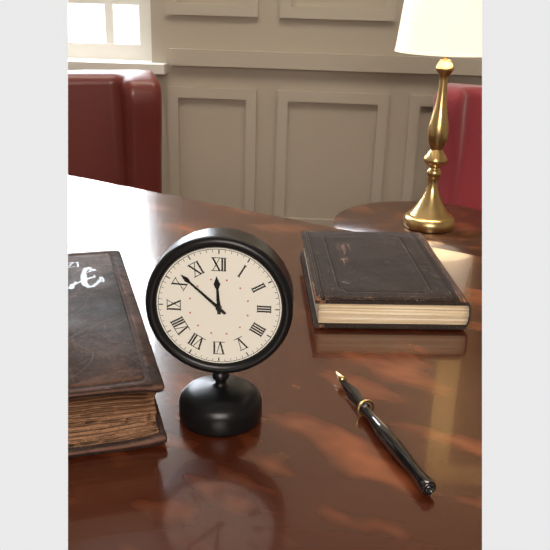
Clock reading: 11h52
